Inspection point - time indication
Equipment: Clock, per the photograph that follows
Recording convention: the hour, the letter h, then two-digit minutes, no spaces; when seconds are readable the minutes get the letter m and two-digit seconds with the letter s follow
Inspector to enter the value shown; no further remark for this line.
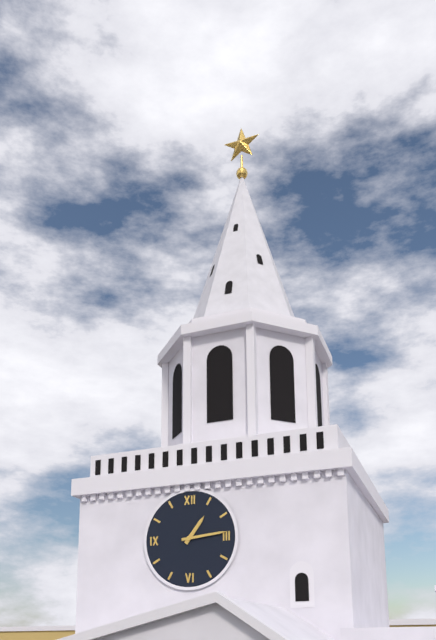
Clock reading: 1h14
